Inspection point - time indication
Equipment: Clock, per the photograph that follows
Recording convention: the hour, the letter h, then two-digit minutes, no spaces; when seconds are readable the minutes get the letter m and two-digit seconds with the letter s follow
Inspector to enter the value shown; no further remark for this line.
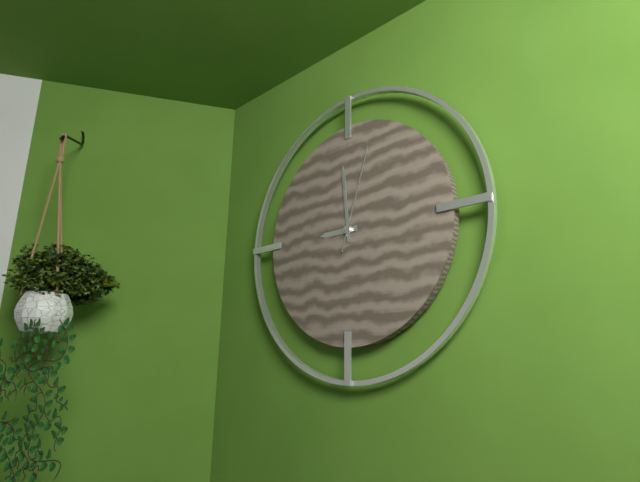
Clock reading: 8h59m03s
